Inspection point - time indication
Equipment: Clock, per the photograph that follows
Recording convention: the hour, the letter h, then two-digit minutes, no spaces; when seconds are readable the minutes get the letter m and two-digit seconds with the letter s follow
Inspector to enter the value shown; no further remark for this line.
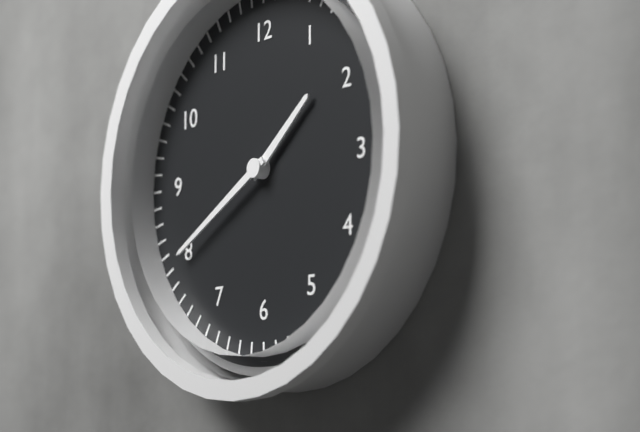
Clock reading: 1h40
